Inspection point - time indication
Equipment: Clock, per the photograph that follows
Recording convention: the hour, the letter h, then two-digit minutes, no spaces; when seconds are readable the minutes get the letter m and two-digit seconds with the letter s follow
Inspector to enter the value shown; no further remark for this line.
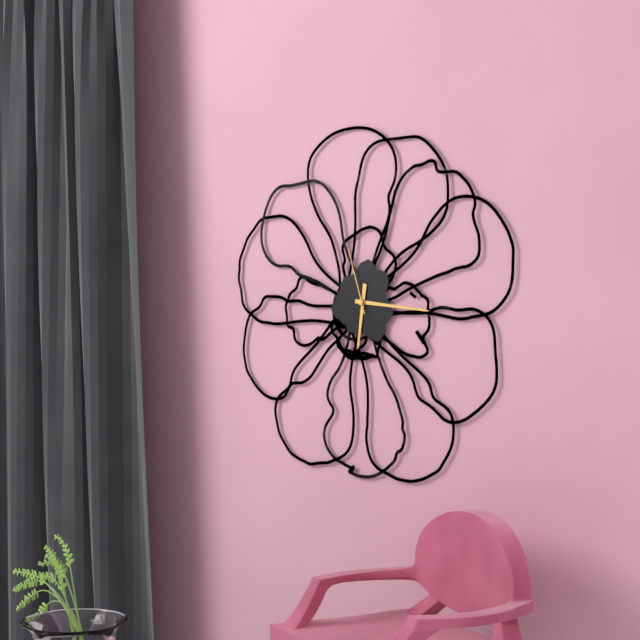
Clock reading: 6h16m57s
